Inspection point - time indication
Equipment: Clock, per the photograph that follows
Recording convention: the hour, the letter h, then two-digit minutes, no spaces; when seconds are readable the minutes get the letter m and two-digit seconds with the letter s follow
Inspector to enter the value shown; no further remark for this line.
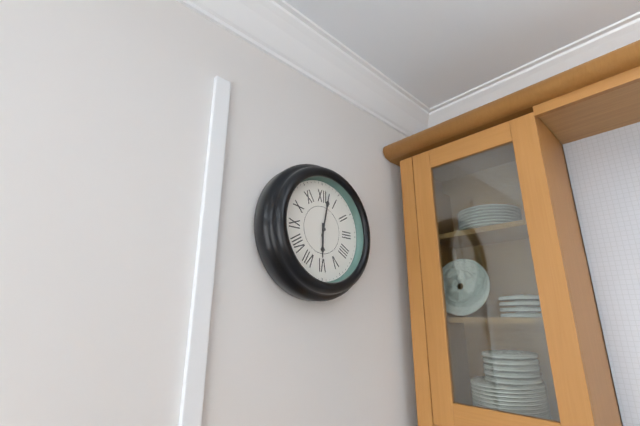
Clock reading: 6h02
